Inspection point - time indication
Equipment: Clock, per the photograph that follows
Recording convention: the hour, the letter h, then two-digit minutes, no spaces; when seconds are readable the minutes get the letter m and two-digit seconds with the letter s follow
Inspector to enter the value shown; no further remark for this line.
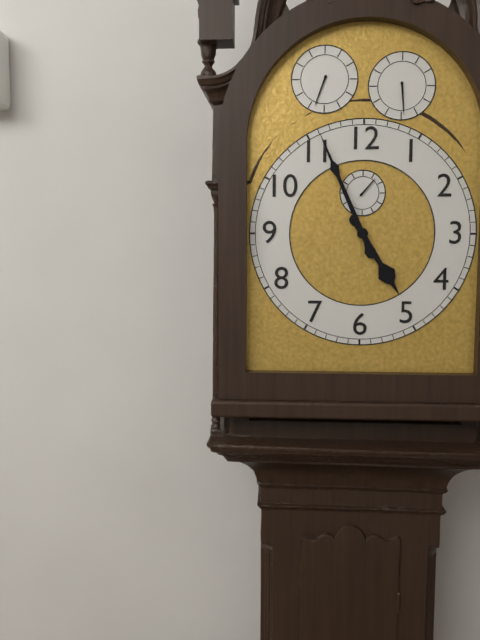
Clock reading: 4h56
